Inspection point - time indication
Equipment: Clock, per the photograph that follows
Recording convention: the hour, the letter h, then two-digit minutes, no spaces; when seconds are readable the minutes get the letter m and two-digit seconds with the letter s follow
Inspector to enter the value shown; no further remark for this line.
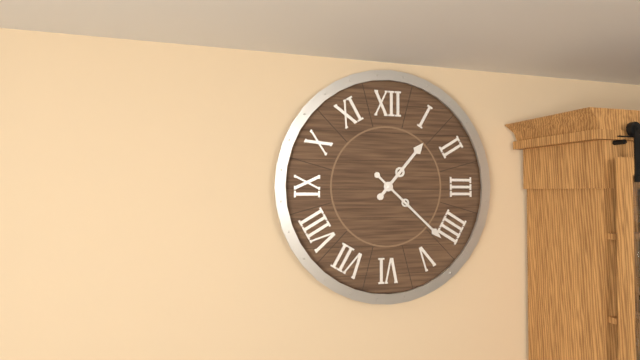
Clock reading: 1h22
